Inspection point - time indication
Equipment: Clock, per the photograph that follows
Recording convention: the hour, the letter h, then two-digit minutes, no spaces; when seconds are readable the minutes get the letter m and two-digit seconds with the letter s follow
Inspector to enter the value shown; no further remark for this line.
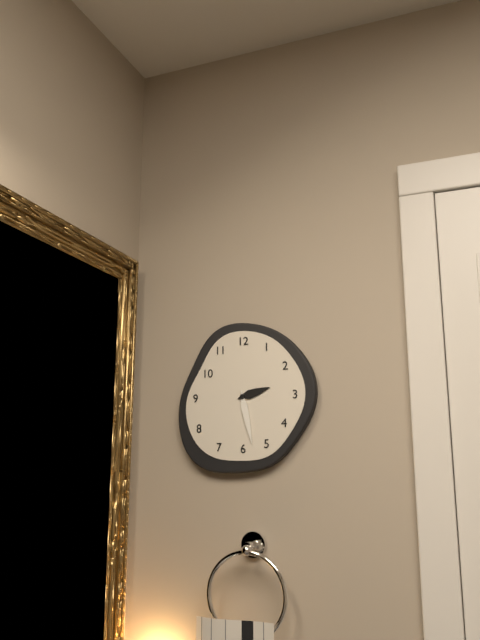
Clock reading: 2h28
